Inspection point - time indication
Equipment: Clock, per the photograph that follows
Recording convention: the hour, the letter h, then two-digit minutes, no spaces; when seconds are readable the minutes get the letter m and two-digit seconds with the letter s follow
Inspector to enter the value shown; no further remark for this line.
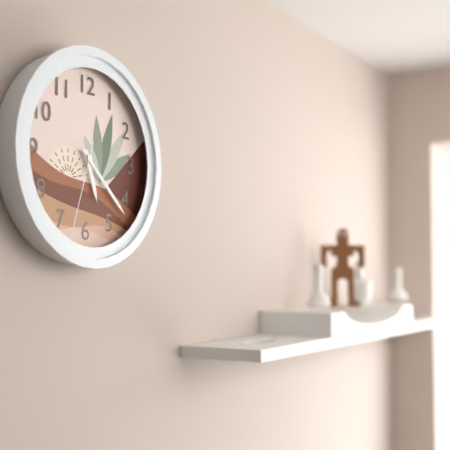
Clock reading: 5h22m33s
